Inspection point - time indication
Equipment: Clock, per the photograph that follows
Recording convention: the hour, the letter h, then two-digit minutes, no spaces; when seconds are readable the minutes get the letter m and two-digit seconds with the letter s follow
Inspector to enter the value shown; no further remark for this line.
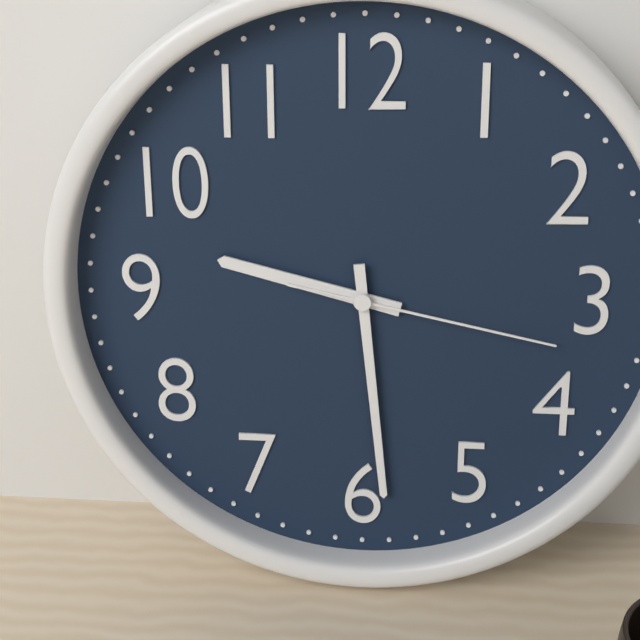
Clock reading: 9h29m17s
